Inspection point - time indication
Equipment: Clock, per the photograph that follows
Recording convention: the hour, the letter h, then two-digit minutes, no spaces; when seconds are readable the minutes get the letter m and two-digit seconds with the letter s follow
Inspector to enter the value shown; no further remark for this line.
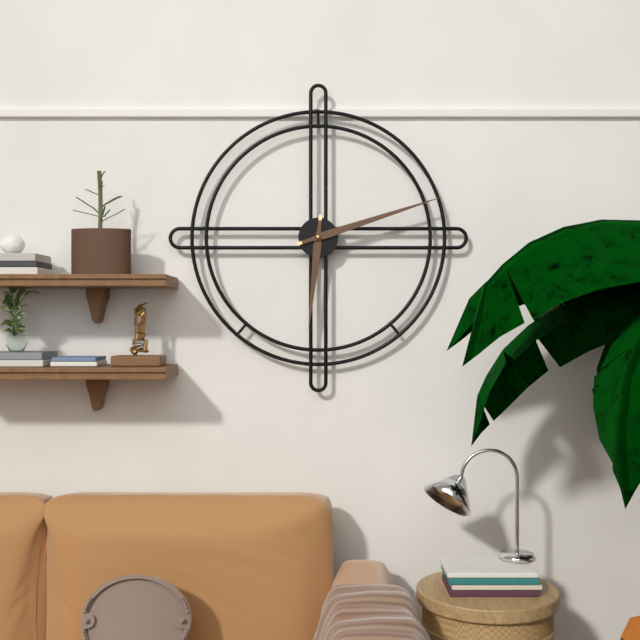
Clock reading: 6h12
